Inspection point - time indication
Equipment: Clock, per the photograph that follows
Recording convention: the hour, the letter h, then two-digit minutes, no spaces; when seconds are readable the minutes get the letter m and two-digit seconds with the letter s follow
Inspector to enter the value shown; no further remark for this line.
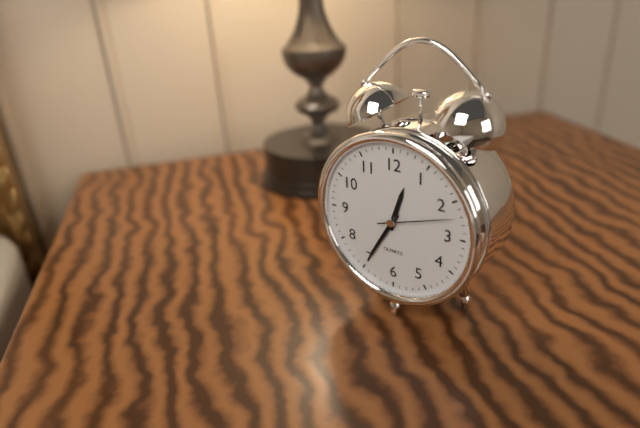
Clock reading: 12h35m12s
